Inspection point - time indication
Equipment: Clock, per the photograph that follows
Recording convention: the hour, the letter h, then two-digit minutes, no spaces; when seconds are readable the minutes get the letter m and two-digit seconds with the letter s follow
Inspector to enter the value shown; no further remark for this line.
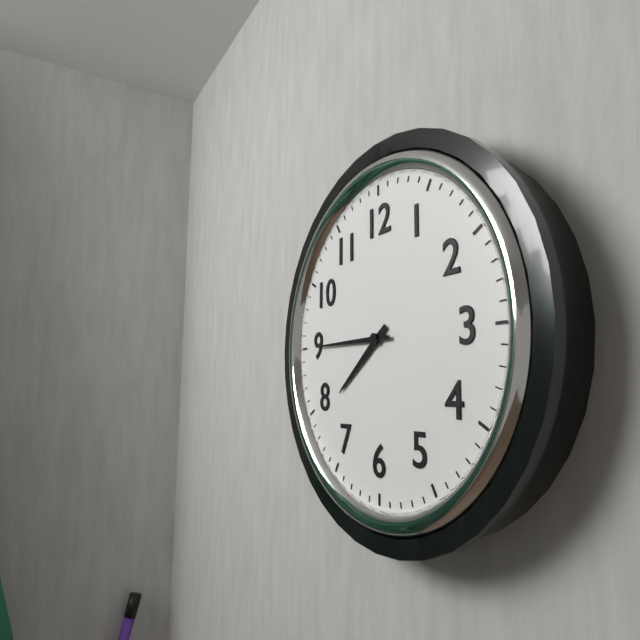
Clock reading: 7h45
